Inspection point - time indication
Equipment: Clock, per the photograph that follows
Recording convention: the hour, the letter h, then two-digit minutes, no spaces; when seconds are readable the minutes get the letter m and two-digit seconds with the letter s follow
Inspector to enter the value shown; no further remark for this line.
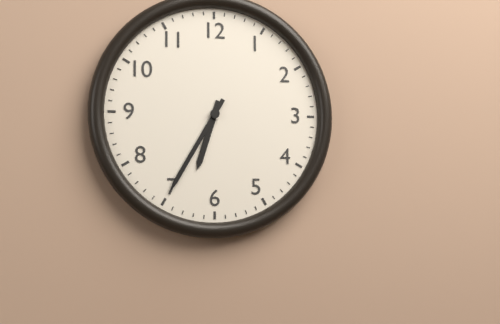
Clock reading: 6h35
